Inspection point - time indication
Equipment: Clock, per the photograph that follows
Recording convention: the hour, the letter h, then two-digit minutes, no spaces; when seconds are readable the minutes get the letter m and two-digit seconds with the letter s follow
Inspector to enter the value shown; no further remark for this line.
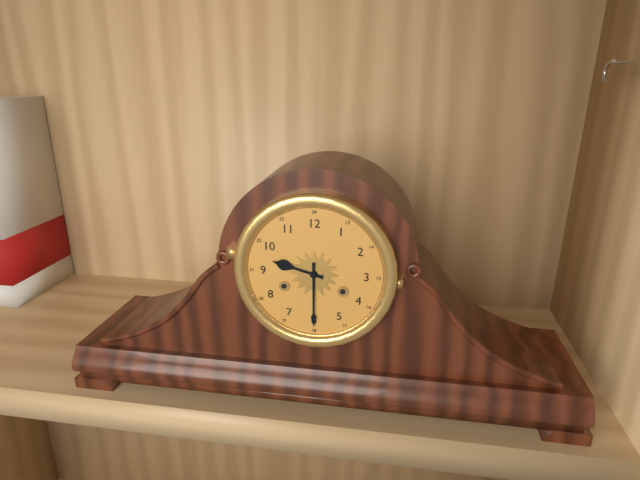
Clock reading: 9h30
